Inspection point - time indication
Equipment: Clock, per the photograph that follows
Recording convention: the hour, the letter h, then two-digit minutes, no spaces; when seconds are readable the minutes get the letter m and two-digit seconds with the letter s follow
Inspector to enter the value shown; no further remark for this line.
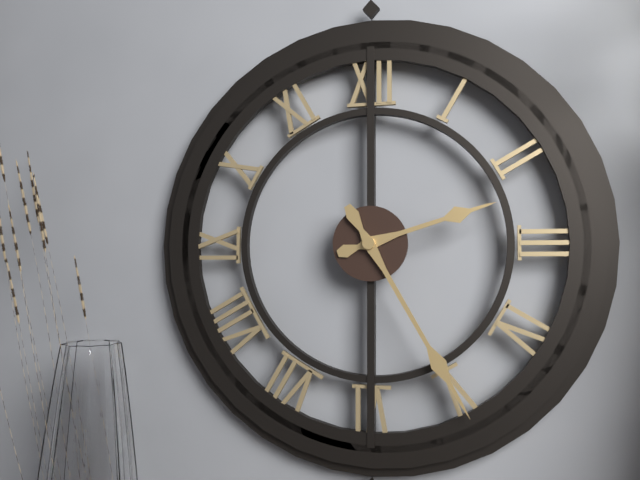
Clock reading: 2h25
